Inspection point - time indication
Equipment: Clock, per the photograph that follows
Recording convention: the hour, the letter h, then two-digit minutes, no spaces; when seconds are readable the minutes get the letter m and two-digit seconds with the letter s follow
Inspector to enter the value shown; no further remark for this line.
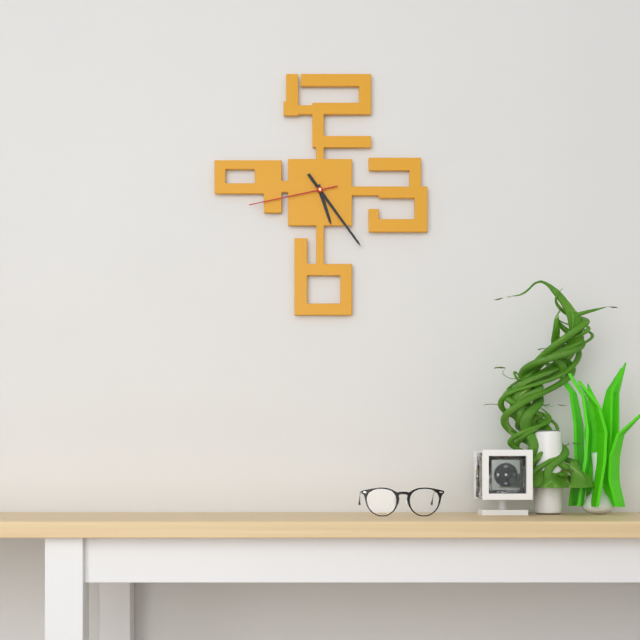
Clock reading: 5h24m43s
